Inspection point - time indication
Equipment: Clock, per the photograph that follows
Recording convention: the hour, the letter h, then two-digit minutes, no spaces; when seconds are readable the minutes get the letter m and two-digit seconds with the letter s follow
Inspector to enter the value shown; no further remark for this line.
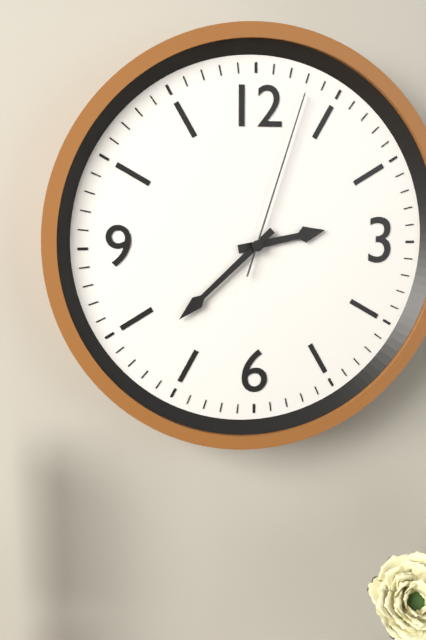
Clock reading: 2h38m03s
